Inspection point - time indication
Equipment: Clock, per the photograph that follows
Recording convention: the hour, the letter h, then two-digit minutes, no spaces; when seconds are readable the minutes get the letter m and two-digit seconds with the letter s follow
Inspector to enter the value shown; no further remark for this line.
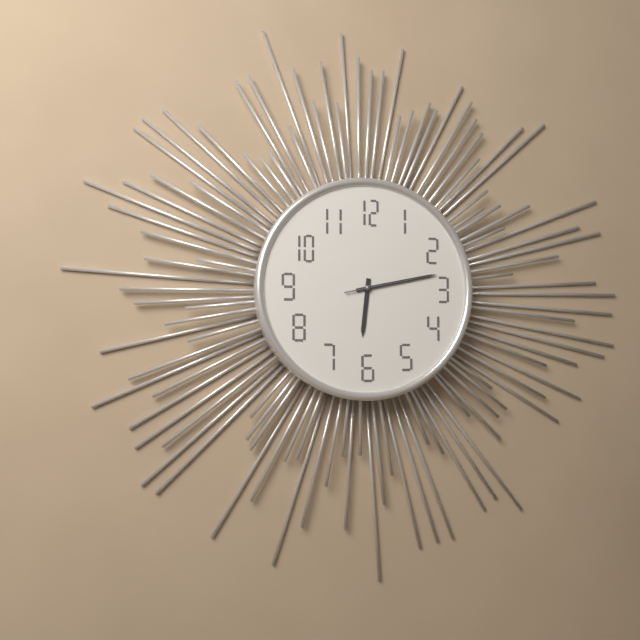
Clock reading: 6h13m13s
